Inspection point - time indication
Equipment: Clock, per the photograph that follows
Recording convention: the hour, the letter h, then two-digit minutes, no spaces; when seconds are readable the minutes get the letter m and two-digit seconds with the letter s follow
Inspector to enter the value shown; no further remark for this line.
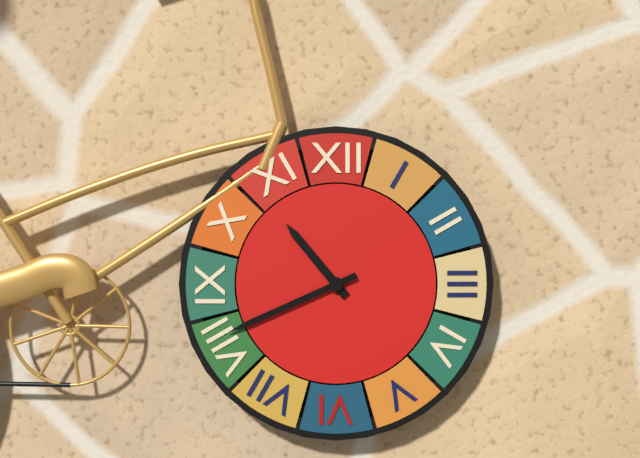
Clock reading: 10h41
